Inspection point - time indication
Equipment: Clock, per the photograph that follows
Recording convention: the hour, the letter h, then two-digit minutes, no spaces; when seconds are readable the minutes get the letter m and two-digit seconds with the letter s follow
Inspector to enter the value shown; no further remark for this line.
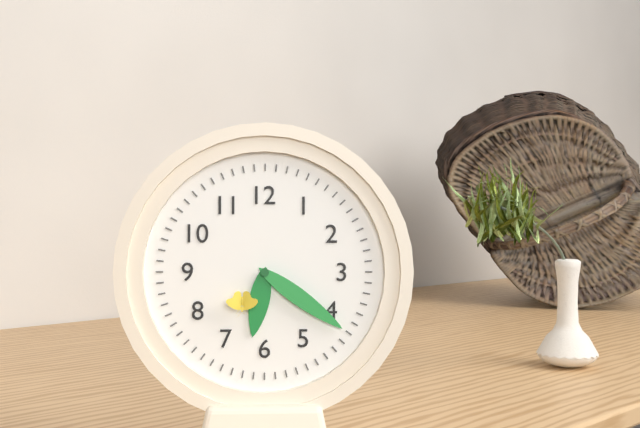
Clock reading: 6h21
